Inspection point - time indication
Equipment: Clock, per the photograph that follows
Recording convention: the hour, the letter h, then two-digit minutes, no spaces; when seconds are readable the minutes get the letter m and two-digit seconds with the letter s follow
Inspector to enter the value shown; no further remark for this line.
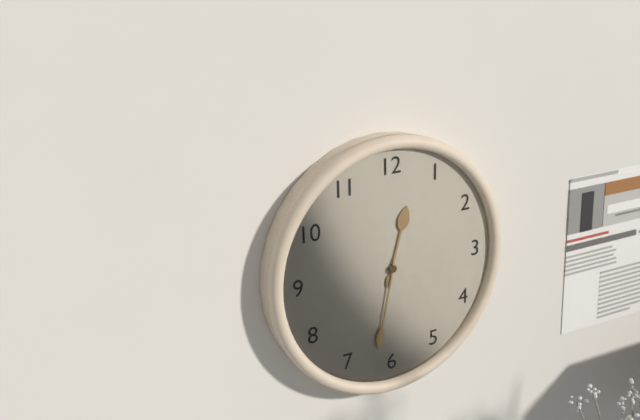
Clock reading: 12h32
